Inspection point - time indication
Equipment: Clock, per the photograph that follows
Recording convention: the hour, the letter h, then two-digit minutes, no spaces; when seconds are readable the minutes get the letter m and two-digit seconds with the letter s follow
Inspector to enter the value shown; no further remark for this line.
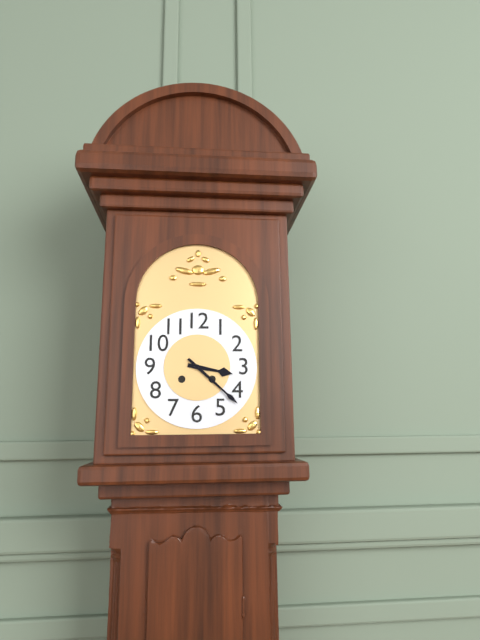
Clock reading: 3h22
